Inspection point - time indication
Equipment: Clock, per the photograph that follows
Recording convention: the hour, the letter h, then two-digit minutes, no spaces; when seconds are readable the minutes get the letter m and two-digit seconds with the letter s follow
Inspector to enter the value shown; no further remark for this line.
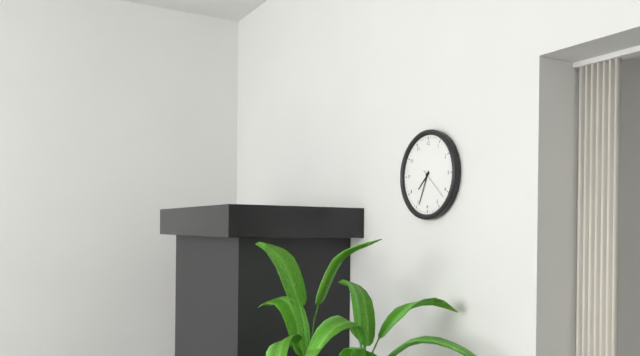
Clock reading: 7h34
